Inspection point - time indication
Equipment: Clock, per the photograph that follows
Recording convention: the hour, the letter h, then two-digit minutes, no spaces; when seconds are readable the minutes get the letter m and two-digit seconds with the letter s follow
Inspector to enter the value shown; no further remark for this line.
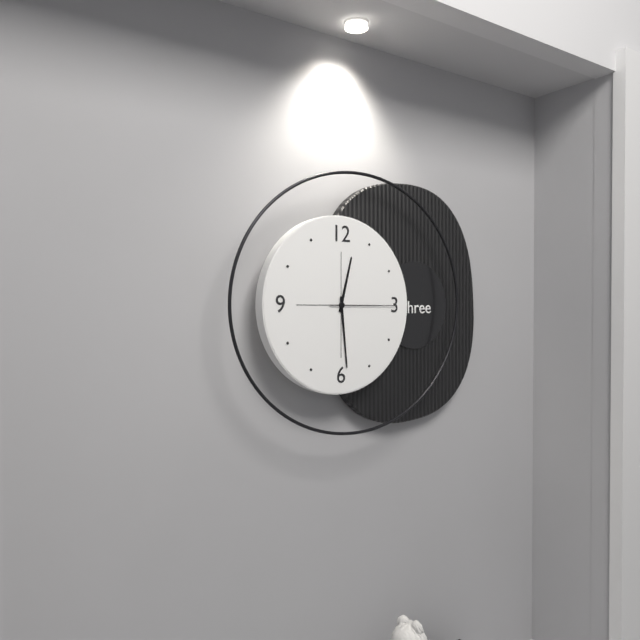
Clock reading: 12h29m15s
